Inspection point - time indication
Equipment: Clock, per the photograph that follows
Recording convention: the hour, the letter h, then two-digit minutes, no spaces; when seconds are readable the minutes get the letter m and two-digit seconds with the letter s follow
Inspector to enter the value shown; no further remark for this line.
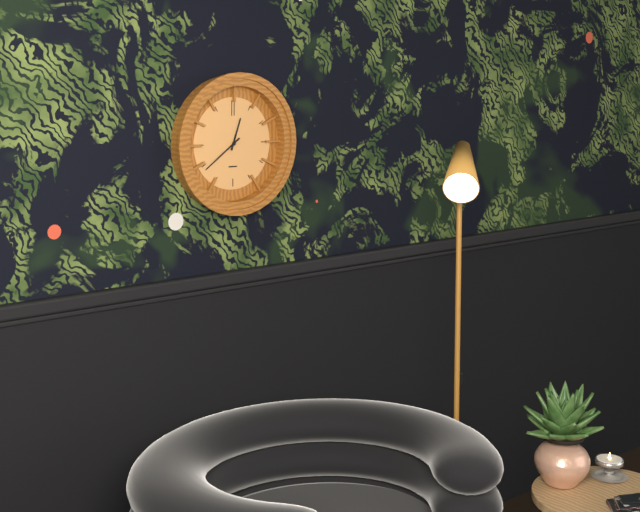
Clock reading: 12h39
